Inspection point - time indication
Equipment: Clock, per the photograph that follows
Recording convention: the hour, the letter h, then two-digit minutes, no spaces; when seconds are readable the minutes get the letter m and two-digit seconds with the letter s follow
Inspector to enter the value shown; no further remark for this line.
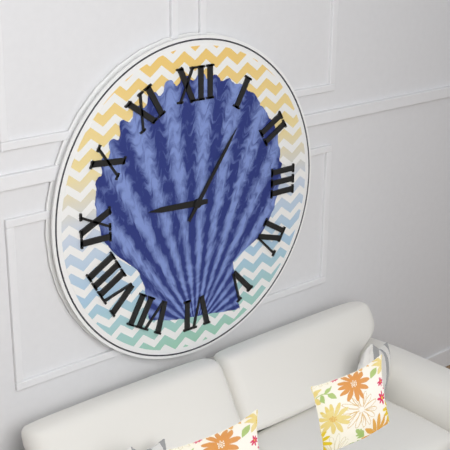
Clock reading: 9h06
